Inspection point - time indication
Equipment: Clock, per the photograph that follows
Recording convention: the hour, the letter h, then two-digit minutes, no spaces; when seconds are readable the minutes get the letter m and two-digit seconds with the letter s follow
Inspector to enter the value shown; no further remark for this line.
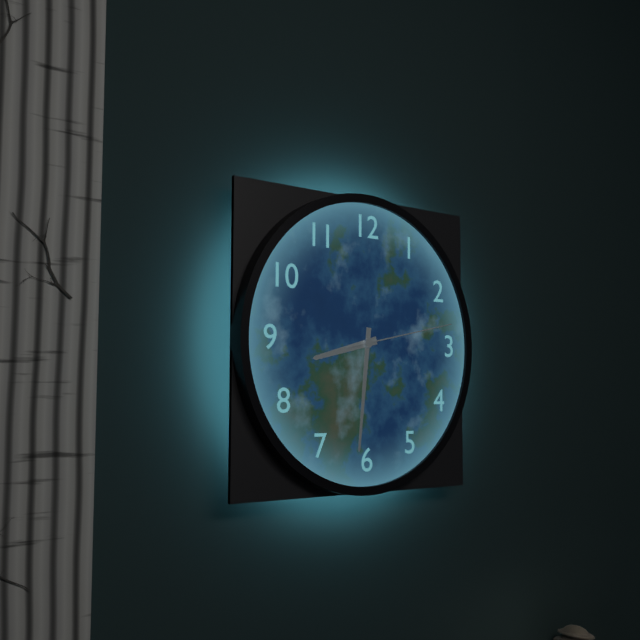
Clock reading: 8h31m13s
